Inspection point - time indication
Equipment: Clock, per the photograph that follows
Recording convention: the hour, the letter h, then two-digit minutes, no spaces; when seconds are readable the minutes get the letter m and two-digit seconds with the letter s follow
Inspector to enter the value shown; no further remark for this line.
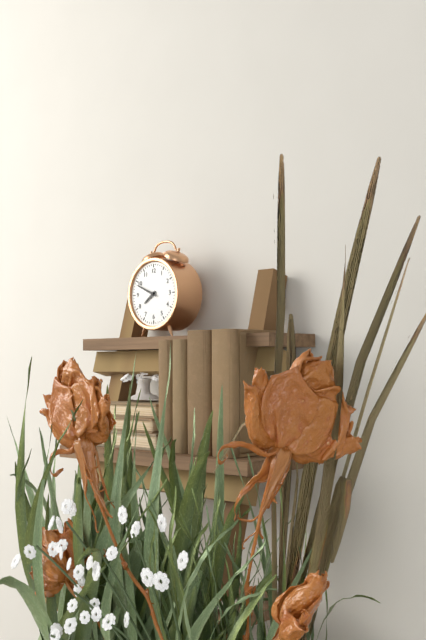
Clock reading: 7h49
